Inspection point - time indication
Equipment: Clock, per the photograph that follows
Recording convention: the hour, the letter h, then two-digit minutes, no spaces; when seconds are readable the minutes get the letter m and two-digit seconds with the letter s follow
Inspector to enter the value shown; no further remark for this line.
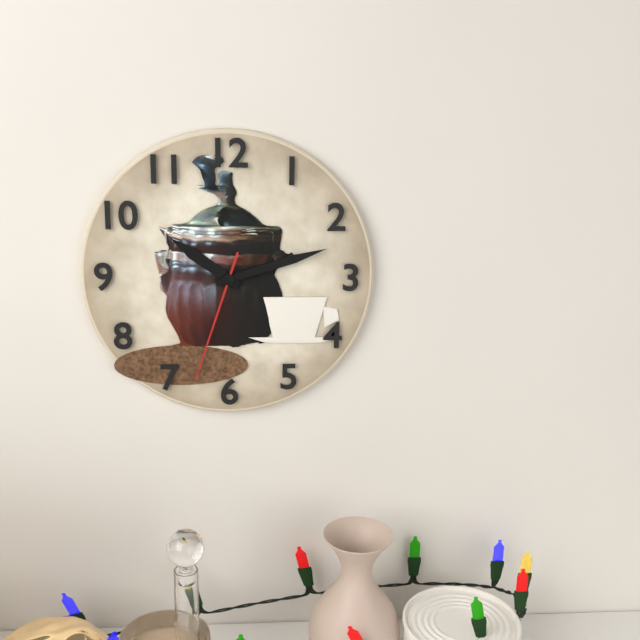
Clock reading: 10h12m33s
